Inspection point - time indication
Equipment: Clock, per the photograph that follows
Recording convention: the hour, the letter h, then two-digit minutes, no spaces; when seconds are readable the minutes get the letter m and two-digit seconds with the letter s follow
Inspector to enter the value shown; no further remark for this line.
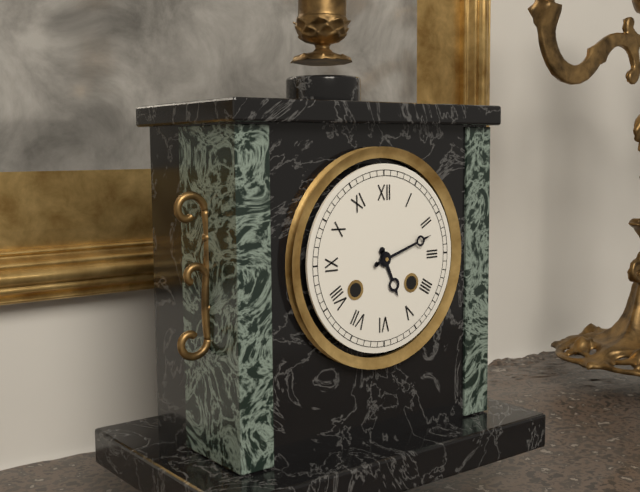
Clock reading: 5h12
